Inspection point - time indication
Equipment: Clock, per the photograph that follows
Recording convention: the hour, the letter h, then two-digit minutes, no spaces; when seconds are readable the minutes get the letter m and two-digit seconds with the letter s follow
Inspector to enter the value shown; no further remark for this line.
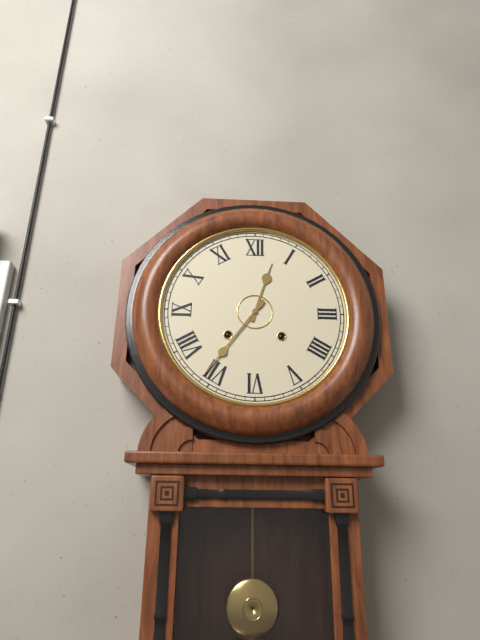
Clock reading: 12h36
